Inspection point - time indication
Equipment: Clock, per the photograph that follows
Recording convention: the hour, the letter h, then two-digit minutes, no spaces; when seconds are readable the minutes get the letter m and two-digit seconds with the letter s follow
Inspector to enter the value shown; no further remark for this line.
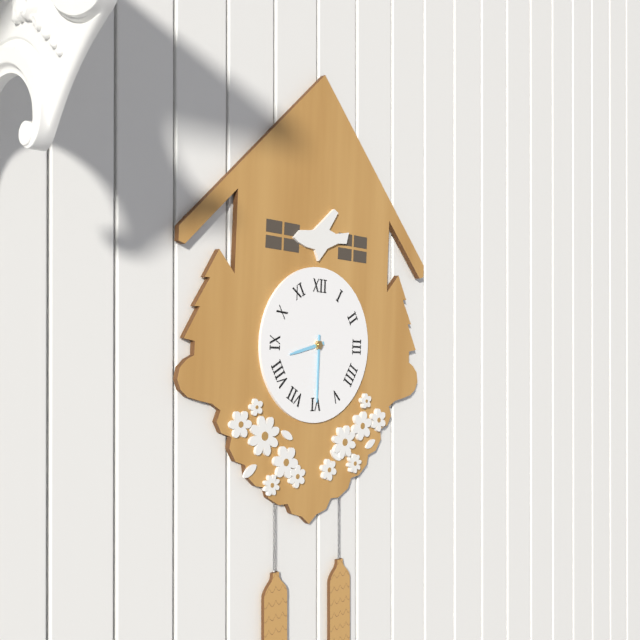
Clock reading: 8h30
